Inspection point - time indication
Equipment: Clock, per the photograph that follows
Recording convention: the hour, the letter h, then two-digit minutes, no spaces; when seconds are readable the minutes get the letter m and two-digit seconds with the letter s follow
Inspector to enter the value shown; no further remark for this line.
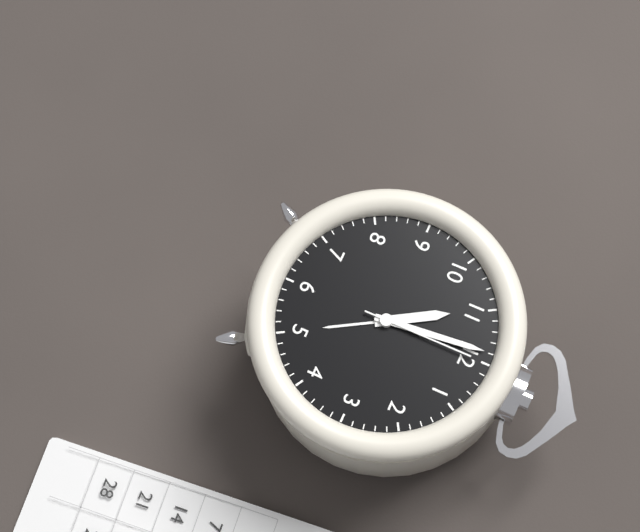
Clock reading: 10h59m00s
